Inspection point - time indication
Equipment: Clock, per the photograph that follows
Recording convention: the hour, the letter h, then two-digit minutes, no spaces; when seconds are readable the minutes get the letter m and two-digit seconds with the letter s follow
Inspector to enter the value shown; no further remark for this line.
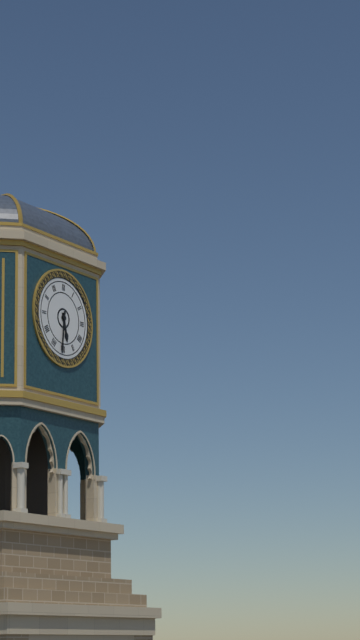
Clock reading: 5h31
